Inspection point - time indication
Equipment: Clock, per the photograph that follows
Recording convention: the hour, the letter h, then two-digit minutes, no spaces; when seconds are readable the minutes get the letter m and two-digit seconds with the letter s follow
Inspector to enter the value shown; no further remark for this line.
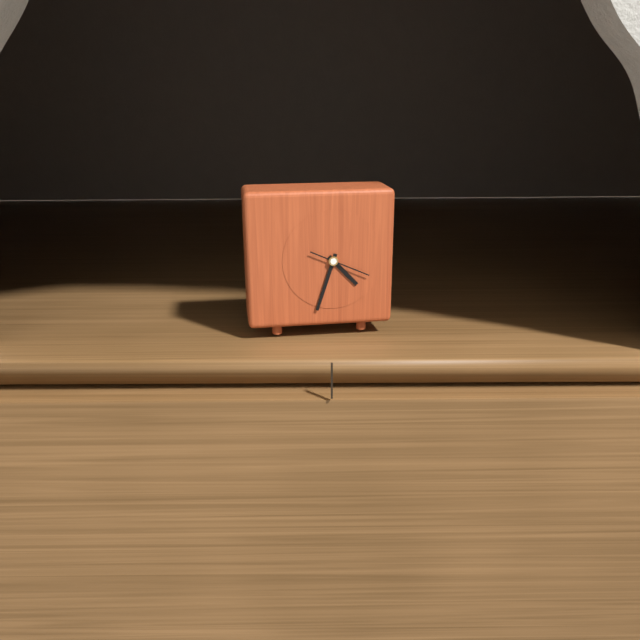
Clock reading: 4h33
